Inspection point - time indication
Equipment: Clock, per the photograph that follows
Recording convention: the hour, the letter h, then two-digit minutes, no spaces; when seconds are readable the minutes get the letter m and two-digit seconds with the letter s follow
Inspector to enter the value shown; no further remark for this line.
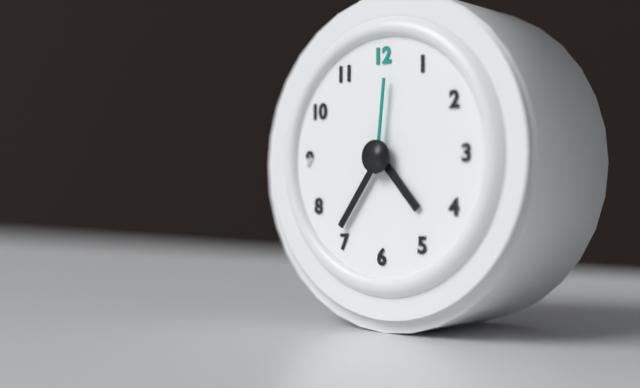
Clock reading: 4h36m01s
